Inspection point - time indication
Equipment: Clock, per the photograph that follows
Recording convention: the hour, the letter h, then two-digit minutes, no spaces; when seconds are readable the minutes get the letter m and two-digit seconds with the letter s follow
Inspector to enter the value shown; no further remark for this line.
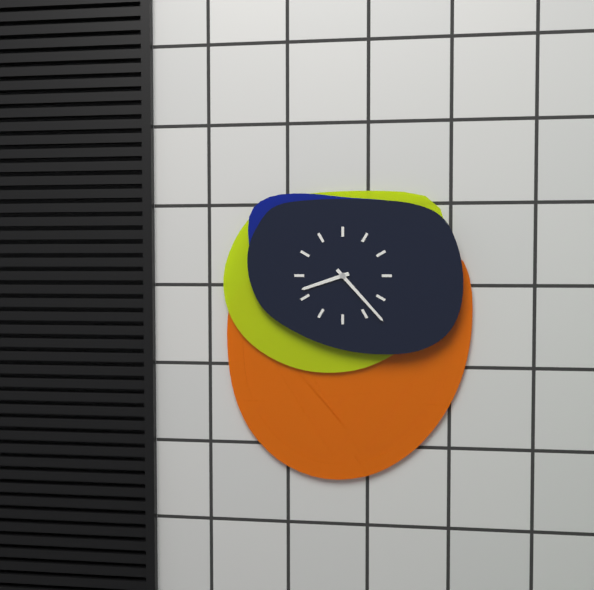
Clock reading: 8h23
